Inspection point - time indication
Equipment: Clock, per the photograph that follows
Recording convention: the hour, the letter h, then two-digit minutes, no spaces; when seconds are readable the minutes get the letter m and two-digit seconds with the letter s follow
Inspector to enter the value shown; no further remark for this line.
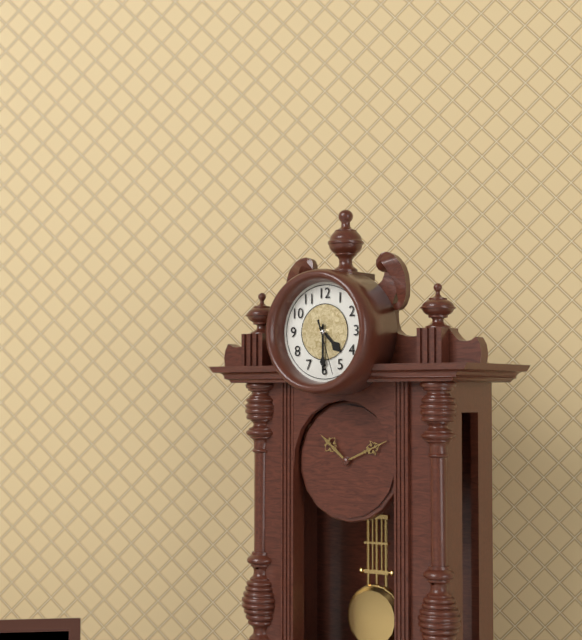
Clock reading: 4h30m27s
